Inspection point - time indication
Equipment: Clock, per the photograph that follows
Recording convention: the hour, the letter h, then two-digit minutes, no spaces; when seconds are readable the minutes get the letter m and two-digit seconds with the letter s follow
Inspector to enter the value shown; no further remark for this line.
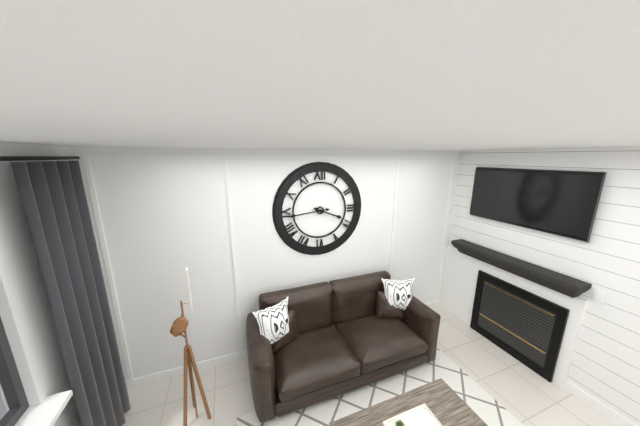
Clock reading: 3h44
